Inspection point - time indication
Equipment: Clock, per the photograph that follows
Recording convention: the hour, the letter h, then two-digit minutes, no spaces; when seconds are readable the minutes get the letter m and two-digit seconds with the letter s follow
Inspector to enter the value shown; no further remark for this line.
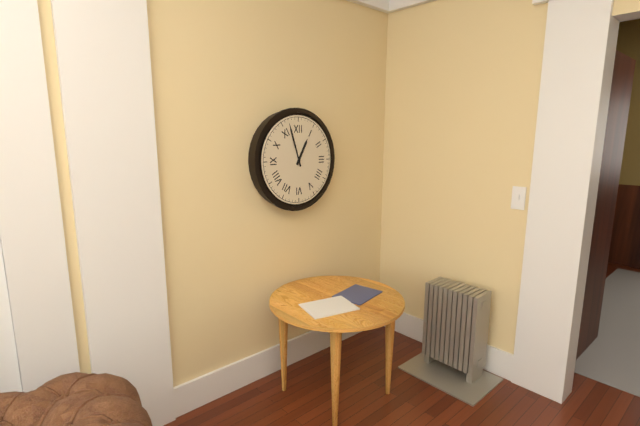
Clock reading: 12h57
